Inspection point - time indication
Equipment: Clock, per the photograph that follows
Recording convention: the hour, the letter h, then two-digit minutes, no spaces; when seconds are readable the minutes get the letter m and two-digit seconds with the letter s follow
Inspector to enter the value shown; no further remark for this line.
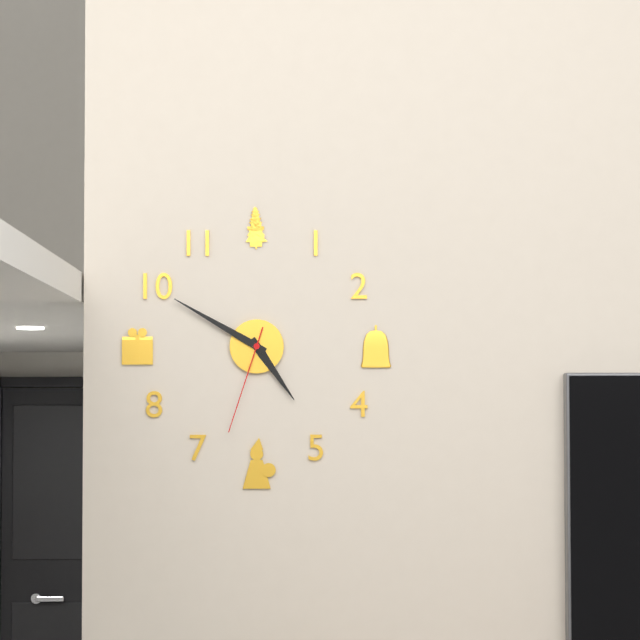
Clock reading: 4h50m33s
